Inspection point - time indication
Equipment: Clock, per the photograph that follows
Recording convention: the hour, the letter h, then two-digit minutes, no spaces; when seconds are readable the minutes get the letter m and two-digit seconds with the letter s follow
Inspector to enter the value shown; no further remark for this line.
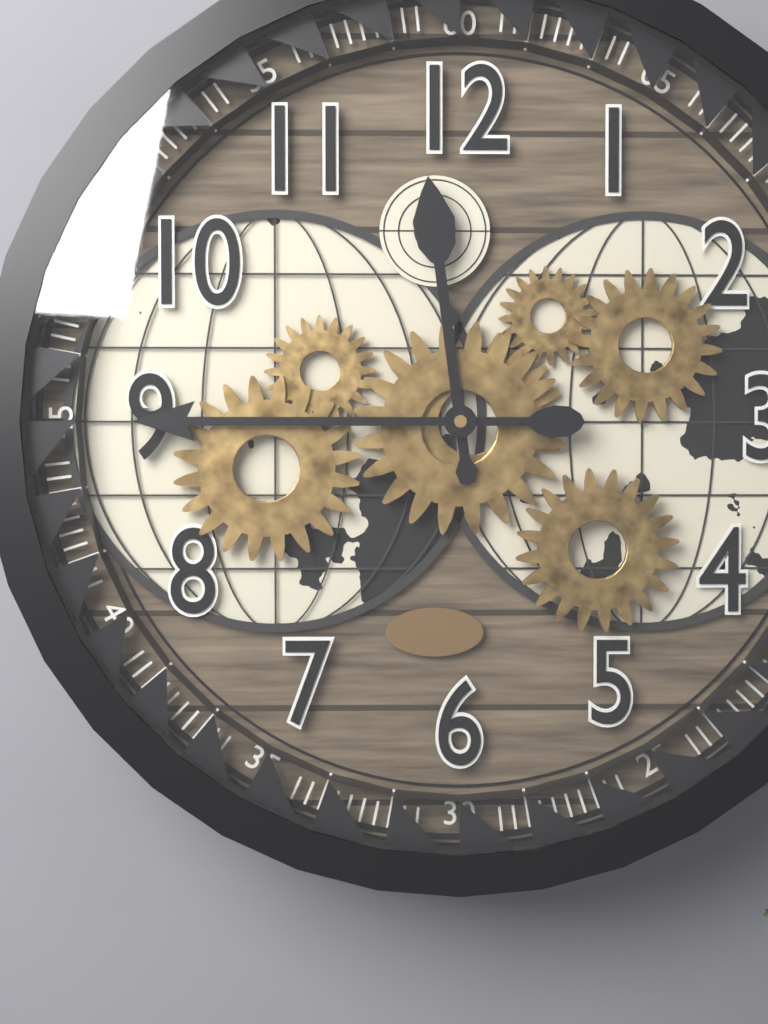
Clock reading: 11h45
